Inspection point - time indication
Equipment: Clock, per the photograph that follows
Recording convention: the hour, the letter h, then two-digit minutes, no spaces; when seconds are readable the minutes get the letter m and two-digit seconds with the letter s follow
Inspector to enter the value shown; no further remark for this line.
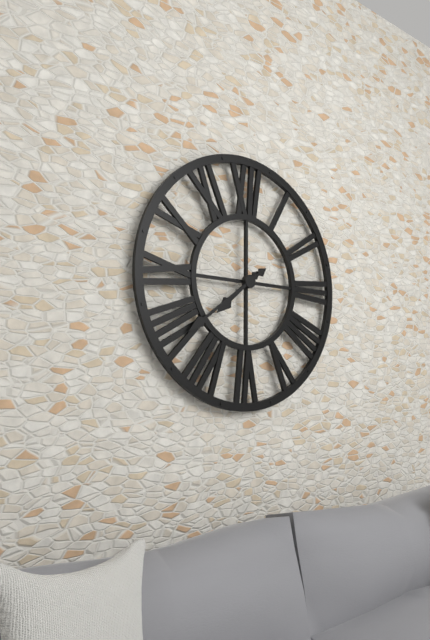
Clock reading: 7h39
